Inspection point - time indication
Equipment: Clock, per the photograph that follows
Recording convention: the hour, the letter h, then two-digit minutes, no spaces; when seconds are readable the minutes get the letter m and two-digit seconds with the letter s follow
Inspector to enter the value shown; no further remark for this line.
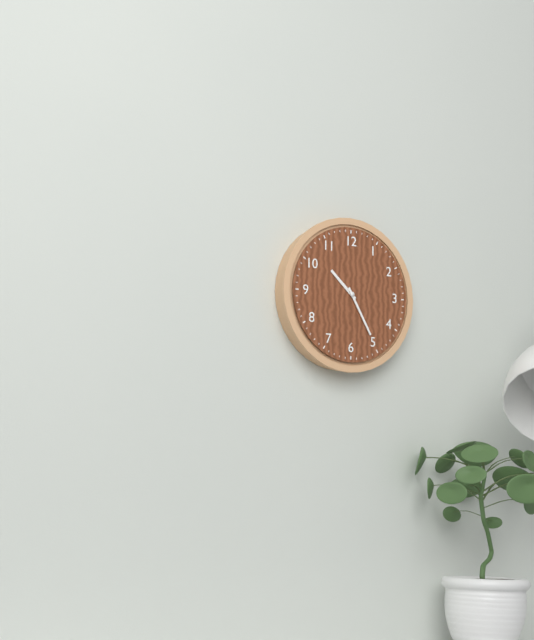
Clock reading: 10h25
